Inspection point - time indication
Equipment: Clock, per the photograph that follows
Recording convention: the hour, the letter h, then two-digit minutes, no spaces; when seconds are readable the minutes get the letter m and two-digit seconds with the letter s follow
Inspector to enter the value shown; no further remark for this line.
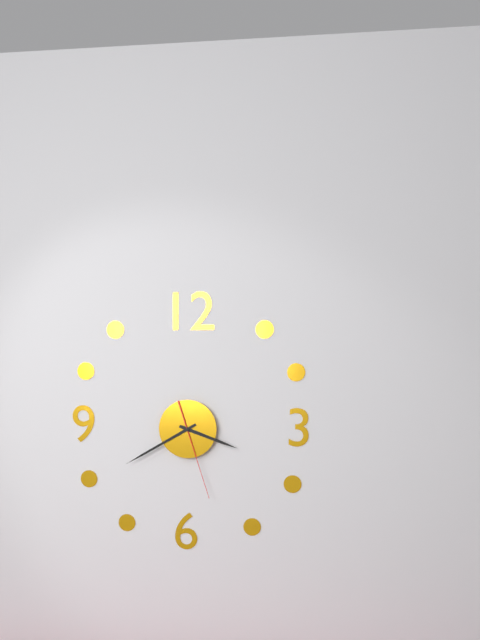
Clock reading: 3h40m27s
